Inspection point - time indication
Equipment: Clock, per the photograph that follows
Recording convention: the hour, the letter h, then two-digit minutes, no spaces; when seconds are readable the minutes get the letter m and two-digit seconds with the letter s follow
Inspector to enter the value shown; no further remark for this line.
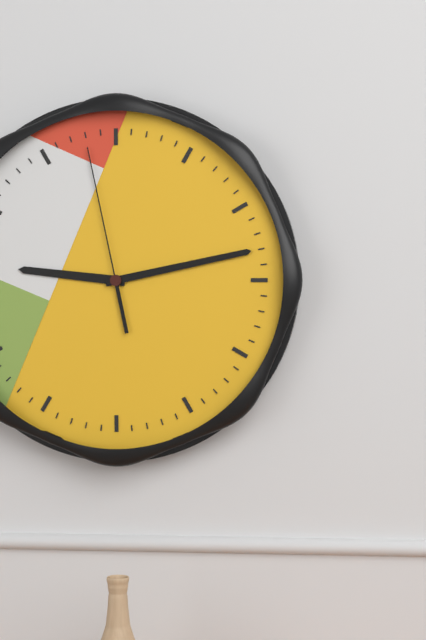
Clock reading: 9h13m58s
